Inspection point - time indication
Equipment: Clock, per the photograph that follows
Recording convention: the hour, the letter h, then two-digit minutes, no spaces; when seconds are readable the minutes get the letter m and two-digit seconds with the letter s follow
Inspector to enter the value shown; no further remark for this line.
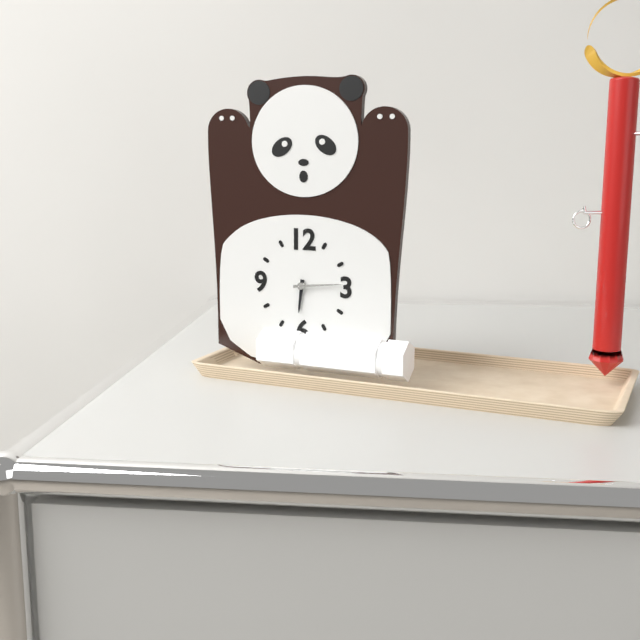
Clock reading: 6h14
